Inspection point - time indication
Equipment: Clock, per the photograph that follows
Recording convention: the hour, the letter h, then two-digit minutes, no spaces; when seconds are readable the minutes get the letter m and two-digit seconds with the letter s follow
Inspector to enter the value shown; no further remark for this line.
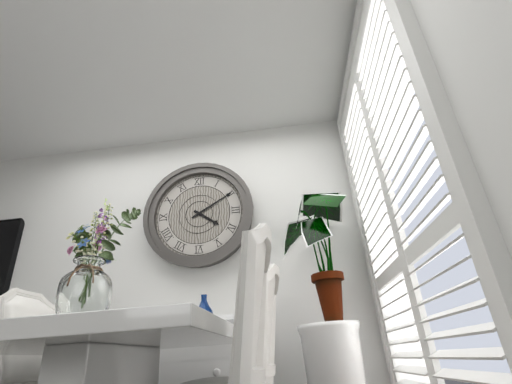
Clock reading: 4h10
